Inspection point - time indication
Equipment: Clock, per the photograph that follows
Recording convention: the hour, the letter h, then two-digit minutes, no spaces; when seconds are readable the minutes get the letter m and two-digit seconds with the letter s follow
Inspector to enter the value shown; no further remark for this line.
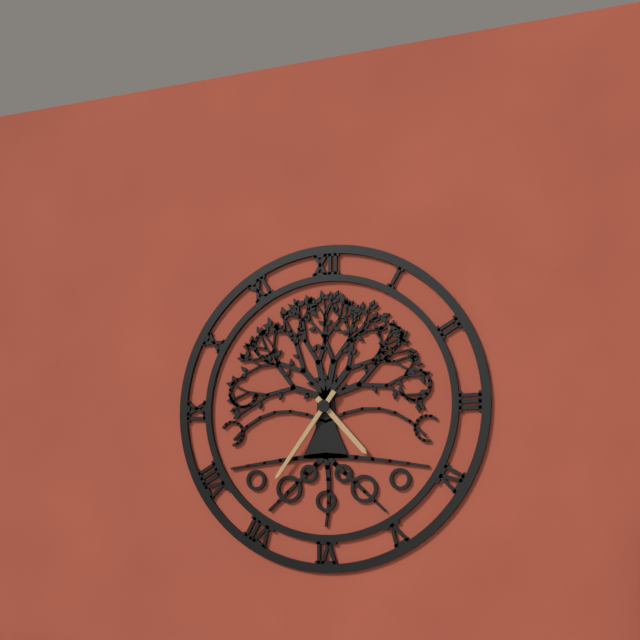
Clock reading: 4h36
